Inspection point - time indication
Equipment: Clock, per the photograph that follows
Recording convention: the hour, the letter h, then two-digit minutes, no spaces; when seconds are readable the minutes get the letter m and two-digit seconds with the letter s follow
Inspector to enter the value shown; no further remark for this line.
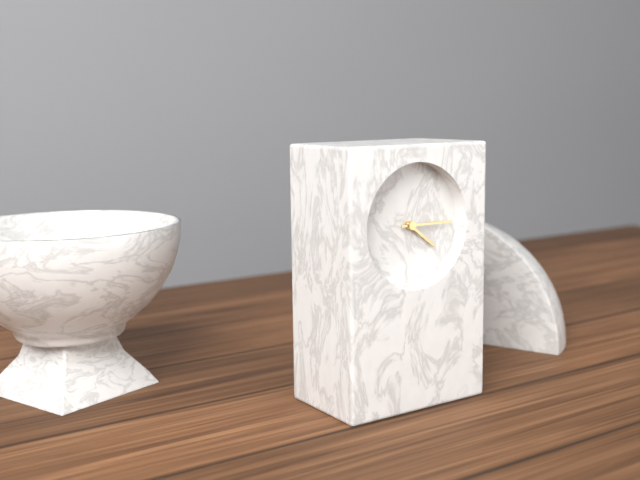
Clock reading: 4h15
